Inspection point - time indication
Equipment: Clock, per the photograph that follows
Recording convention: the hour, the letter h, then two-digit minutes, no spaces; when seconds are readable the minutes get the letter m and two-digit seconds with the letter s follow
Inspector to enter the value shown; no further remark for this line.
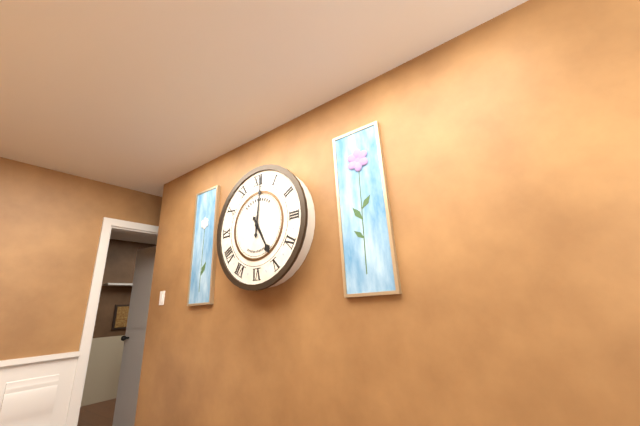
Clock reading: 5h01
